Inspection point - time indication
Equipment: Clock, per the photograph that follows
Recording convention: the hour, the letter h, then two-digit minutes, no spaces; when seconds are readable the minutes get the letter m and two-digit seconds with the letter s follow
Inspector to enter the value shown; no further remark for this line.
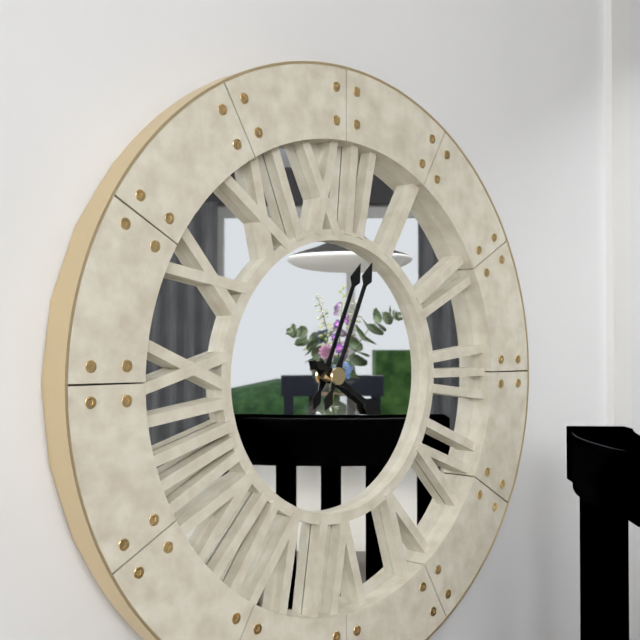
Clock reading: 4h04
